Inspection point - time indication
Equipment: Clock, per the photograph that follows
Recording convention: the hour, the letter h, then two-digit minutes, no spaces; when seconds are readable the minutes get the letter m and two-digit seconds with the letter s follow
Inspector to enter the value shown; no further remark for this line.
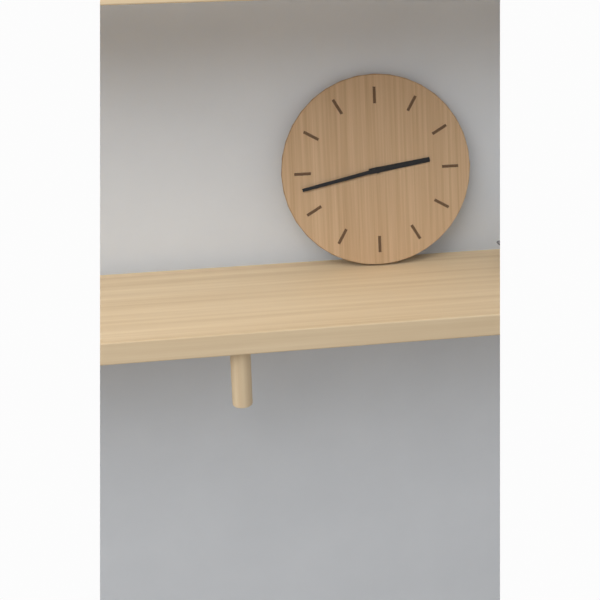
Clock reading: 2h43
